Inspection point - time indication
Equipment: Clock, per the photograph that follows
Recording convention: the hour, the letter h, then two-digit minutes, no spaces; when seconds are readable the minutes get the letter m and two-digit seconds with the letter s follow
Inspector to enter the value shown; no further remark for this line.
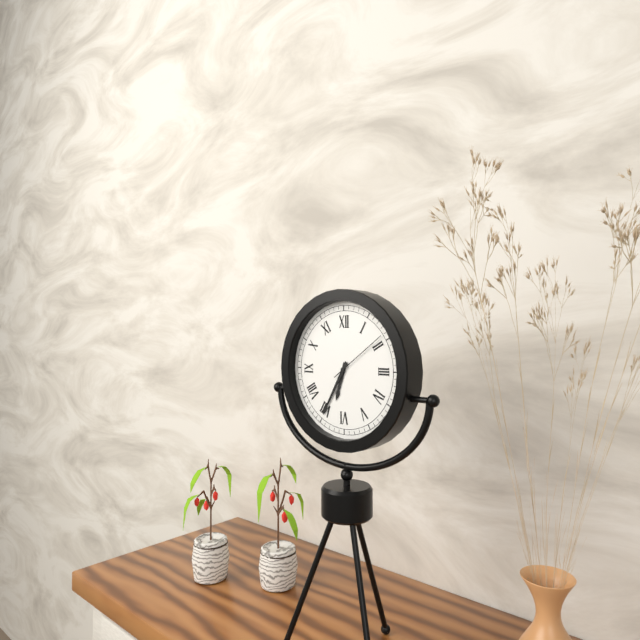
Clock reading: 6h35m09s
